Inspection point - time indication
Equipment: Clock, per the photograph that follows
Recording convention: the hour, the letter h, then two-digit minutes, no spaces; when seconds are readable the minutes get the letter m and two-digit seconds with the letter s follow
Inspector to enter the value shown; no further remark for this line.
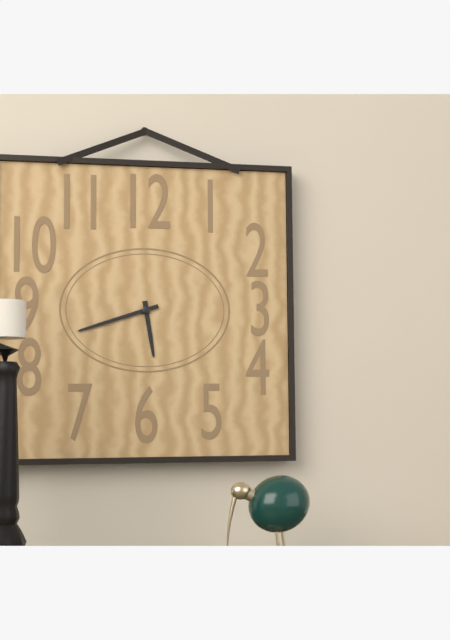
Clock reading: 5h42
